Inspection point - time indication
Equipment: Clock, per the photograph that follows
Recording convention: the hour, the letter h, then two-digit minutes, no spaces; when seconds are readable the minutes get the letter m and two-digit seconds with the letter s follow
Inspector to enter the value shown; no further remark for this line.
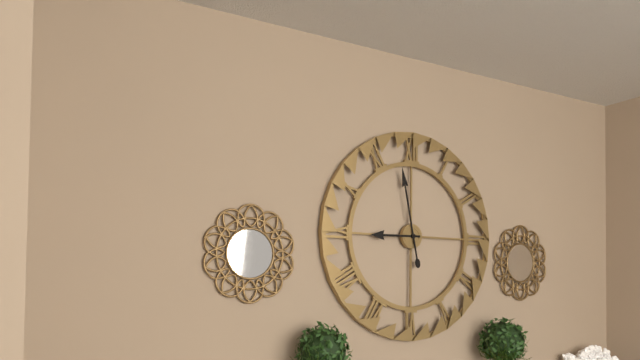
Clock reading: 8h58
